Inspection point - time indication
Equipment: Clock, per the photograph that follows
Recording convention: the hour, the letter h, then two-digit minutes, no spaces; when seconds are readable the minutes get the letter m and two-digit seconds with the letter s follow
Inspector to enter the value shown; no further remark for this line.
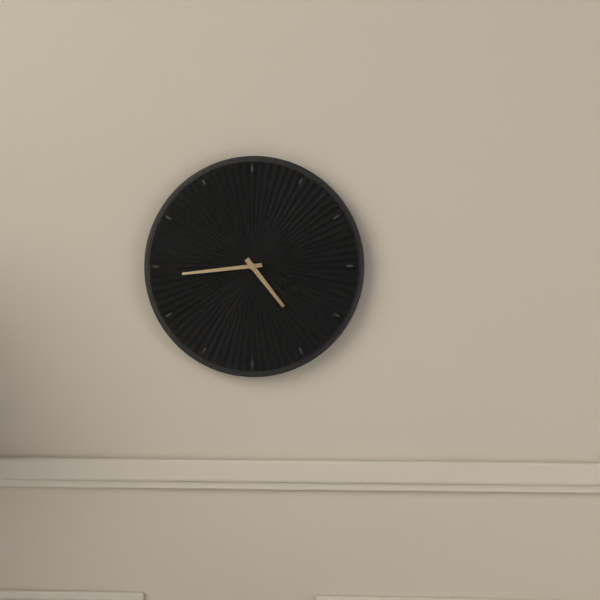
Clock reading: 4h44
